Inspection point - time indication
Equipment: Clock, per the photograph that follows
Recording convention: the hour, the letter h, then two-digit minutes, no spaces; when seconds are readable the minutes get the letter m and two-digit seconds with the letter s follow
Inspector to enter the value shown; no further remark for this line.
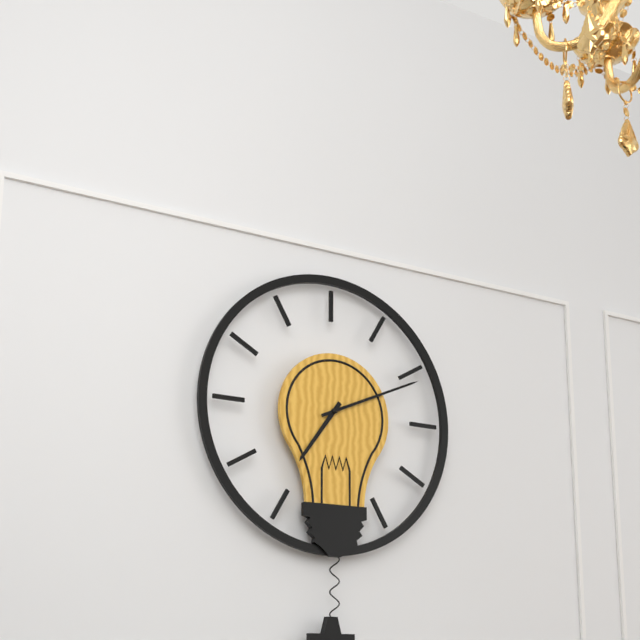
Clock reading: 7h11
